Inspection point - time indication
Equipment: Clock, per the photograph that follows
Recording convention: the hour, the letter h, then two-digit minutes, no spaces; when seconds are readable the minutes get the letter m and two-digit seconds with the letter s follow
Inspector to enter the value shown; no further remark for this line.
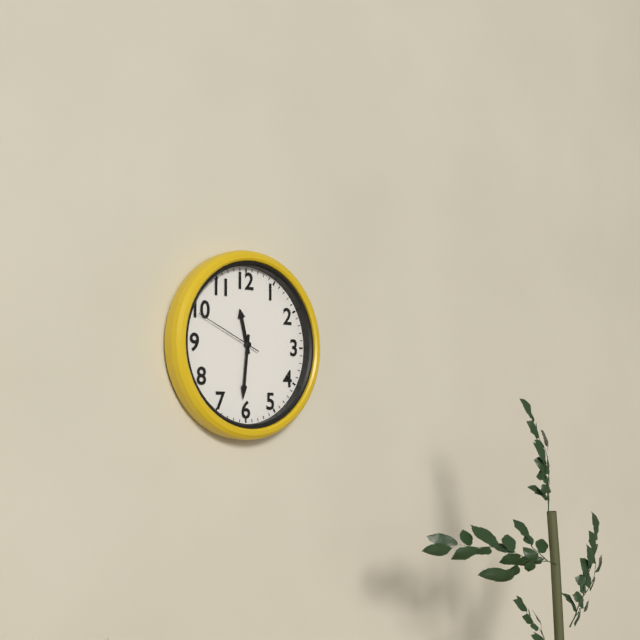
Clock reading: 11h31m49s
